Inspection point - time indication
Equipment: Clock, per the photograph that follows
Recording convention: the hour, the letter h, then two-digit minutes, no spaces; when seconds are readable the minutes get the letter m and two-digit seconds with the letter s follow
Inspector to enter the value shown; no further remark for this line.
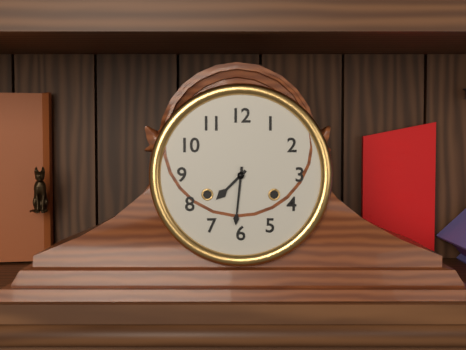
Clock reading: 7h31
